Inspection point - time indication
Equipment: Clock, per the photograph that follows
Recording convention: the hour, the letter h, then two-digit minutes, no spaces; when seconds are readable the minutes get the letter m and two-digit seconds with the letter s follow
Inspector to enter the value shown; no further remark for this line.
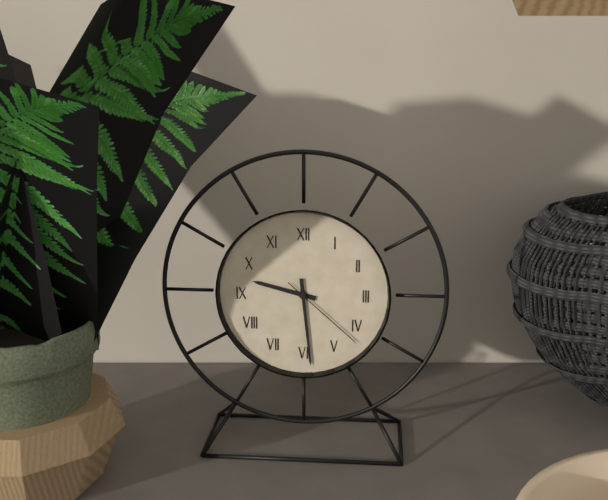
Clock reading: 9h29m22s
